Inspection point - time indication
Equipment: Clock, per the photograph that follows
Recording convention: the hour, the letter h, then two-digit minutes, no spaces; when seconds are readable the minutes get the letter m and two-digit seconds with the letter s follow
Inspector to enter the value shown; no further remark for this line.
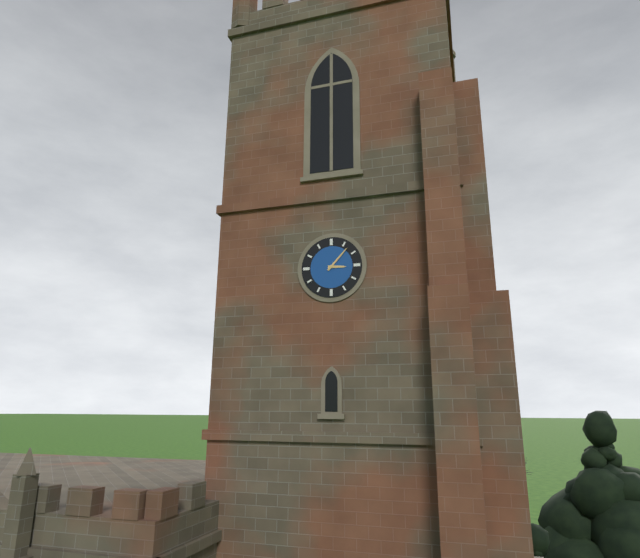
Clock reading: 3h07
